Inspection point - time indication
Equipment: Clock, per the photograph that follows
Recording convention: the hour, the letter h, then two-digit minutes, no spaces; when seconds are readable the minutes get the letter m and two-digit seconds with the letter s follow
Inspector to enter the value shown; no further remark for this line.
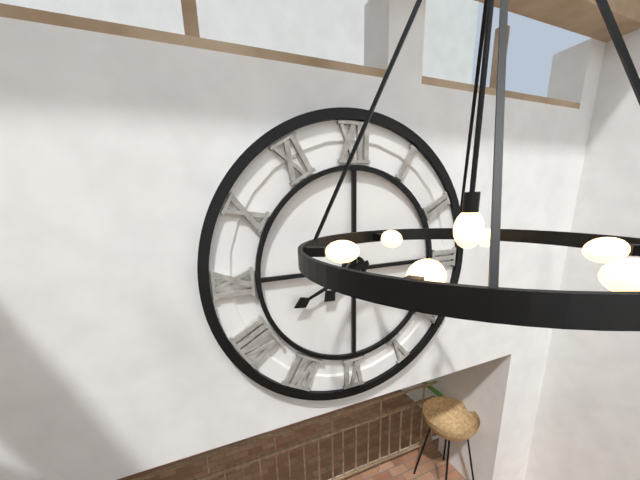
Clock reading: 7h41
